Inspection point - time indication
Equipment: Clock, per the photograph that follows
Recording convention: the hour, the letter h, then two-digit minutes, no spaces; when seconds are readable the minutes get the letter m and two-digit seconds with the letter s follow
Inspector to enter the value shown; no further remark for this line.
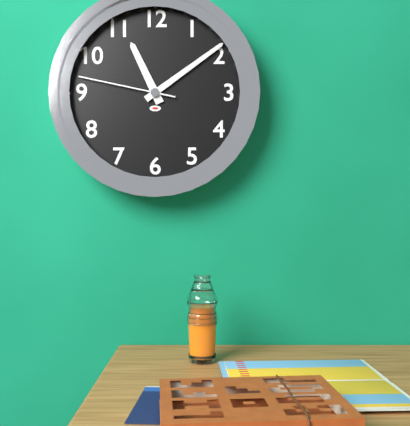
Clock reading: 11h09m47s
